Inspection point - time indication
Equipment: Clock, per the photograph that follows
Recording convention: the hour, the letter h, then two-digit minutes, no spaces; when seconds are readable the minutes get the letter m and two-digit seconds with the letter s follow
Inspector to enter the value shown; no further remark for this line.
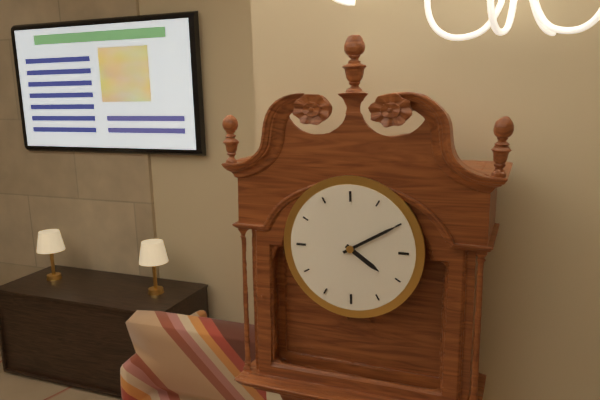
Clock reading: 4h10
